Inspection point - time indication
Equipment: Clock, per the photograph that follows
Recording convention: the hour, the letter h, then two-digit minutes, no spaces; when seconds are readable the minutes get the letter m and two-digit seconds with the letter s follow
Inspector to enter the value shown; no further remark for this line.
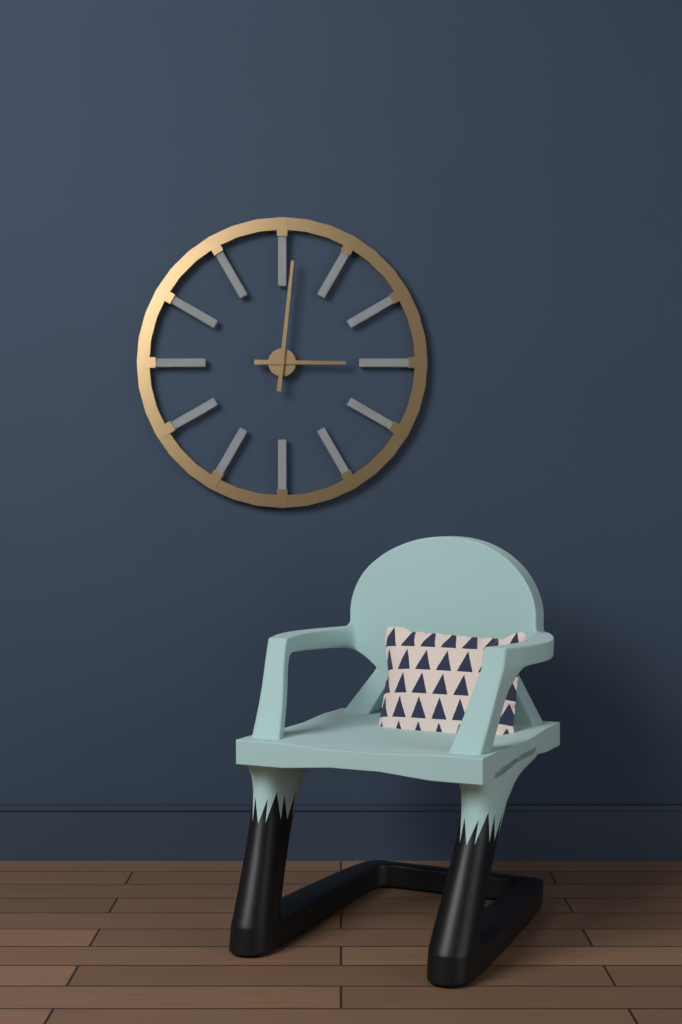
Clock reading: 3h01
